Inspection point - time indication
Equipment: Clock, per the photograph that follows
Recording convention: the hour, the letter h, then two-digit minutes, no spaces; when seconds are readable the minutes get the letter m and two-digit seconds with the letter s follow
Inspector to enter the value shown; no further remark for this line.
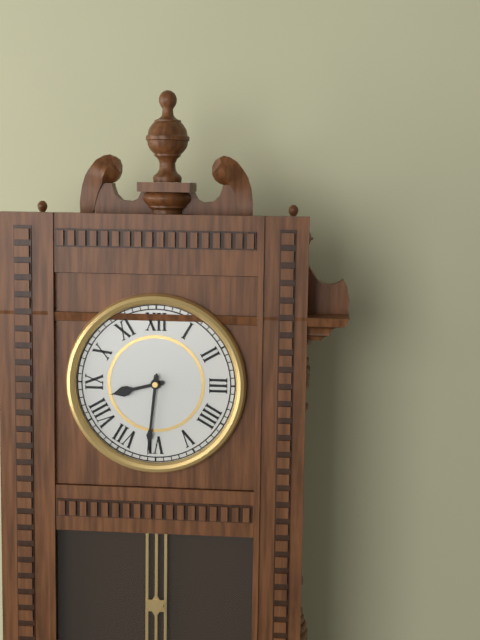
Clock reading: 8h31
